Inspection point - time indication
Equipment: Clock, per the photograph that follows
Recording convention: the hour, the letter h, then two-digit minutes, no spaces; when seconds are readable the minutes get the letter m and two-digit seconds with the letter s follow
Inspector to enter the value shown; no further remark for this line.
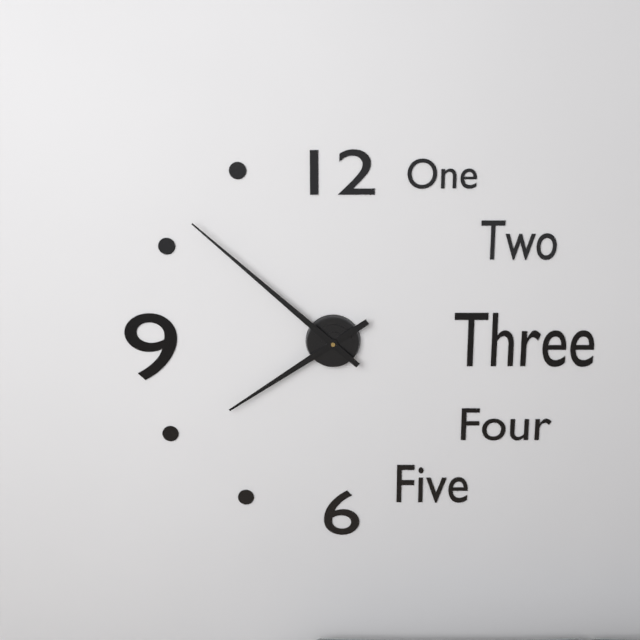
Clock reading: 7h52
